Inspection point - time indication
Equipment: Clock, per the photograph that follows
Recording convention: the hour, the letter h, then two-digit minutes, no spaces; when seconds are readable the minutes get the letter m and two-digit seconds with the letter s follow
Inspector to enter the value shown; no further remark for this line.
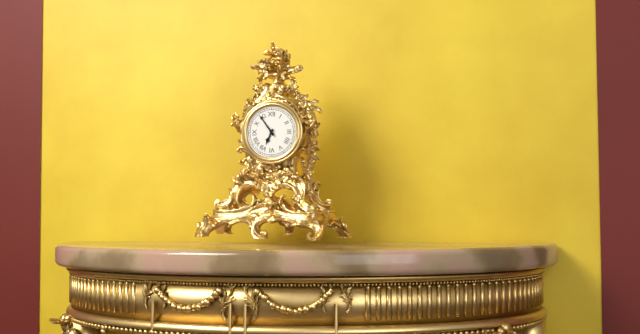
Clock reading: 6h54
